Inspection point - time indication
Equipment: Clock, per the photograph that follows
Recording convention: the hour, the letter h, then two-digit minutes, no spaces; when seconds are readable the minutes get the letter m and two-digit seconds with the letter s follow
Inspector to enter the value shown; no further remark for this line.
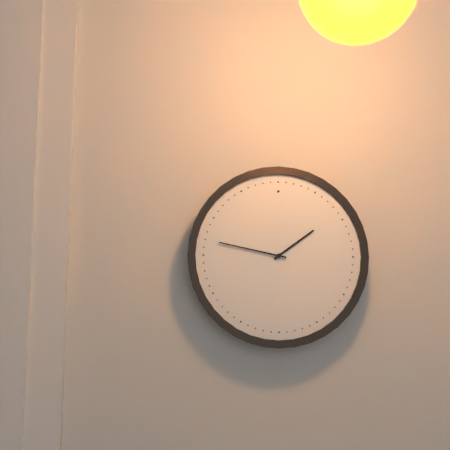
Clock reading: 1h47
